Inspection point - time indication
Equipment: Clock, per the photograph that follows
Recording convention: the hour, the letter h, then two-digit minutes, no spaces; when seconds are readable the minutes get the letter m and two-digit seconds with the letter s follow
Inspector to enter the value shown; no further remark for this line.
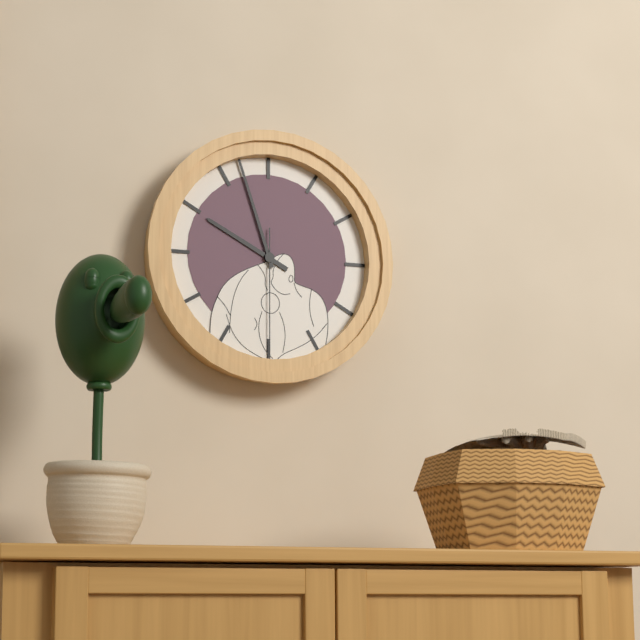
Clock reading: 9h57m30s
